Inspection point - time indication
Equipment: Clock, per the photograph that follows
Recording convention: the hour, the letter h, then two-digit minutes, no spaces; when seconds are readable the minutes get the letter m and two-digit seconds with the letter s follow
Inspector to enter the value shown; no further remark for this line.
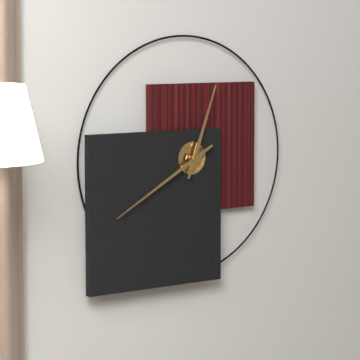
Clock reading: 12h40
